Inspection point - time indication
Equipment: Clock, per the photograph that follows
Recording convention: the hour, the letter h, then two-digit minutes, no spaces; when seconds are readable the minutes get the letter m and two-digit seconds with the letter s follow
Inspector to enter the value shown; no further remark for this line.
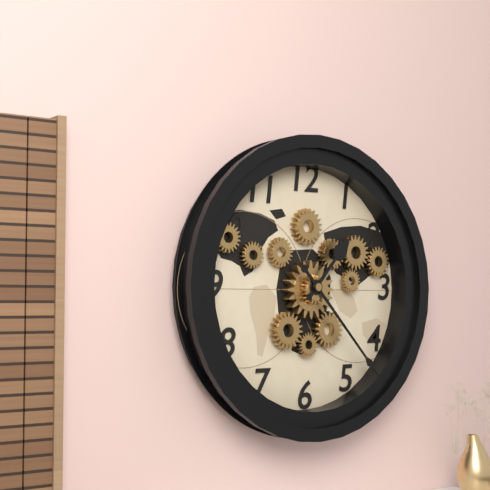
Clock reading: 1h23
